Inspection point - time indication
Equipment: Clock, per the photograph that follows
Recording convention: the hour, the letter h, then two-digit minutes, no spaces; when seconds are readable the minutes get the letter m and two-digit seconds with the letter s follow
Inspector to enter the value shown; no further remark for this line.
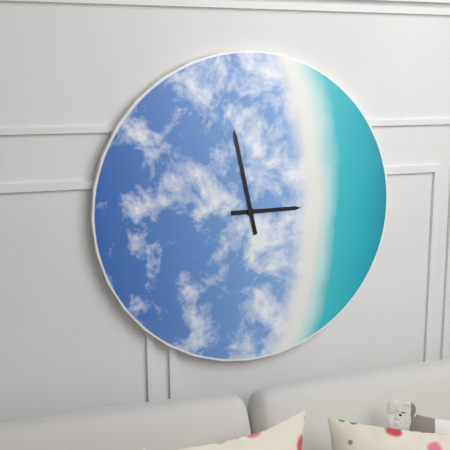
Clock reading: 2h58
